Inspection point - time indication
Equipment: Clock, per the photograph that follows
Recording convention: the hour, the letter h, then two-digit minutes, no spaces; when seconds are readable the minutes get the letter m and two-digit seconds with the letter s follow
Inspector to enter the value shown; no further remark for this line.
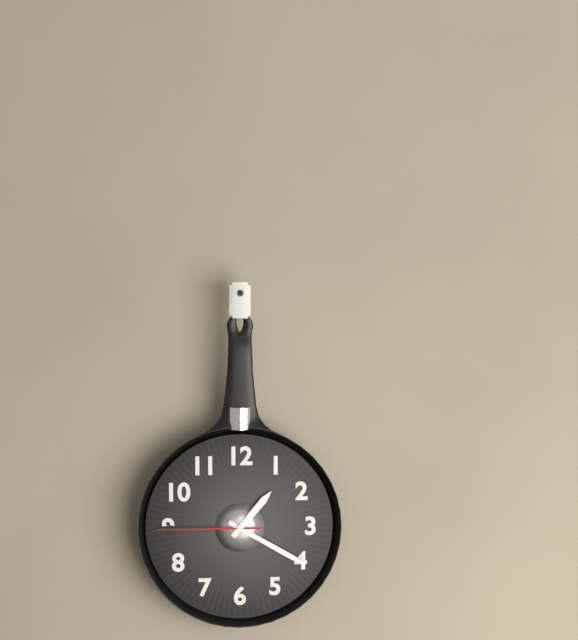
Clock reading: 1h20m45s
